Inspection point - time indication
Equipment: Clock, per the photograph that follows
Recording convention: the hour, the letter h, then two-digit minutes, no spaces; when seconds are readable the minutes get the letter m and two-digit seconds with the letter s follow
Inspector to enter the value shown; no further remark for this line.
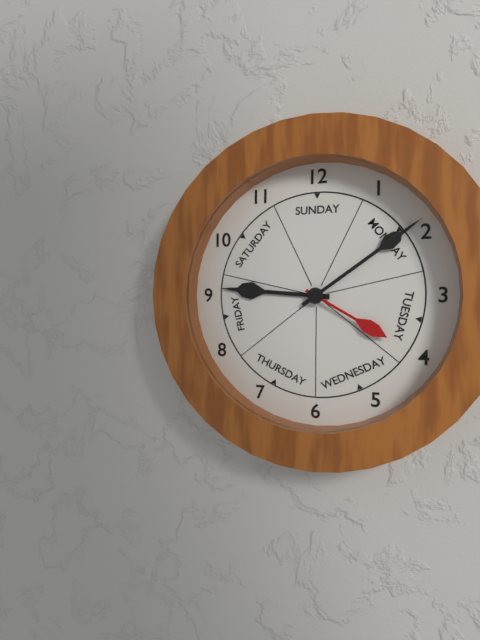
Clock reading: 9h09m20s
